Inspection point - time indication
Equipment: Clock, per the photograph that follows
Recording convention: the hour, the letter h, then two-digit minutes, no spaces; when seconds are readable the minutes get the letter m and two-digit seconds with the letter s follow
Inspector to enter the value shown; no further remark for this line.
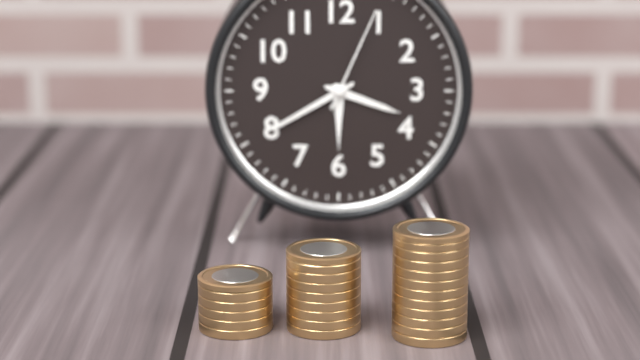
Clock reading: 3h40m04s
